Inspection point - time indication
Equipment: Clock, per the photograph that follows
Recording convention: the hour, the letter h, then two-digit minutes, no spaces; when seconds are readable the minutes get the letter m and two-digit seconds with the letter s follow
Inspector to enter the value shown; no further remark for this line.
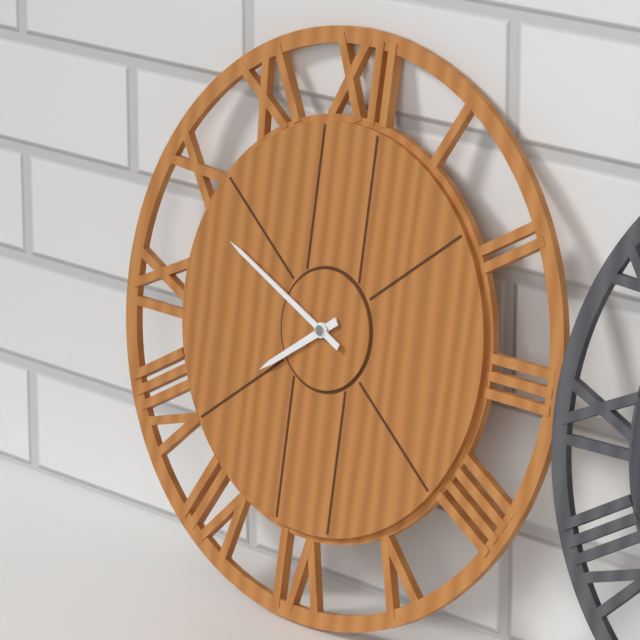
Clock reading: 7h49
